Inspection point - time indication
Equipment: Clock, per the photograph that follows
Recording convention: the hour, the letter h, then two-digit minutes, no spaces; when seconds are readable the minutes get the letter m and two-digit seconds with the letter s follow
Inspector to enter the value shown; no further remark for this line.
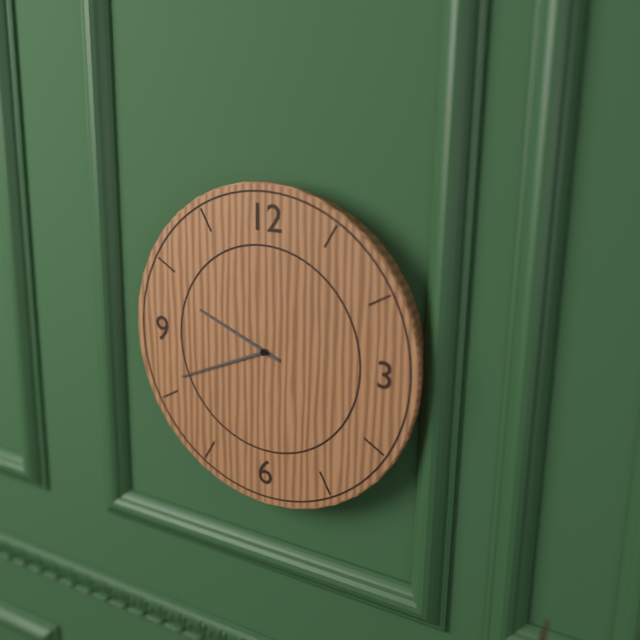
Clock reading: 9h41
